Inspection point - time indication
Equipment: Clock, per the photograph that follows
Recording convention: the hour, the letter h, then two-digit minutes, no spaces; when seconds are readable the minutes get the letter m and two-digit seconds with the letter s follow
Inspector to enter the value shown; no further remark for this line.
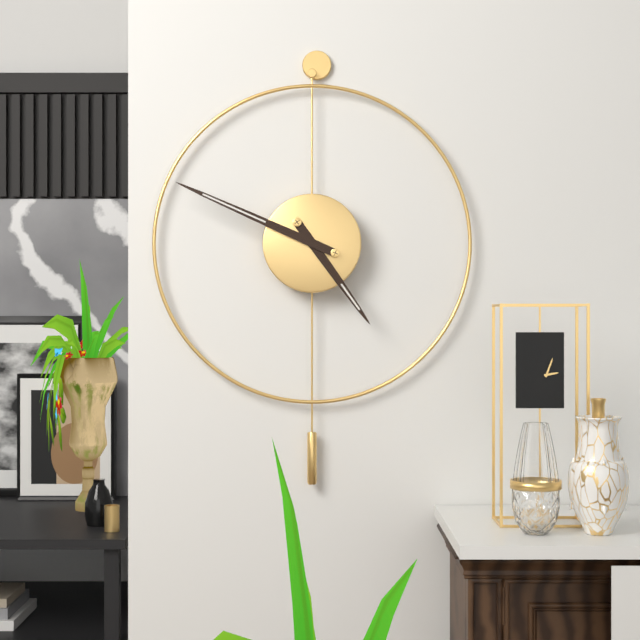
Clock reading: 4h49
